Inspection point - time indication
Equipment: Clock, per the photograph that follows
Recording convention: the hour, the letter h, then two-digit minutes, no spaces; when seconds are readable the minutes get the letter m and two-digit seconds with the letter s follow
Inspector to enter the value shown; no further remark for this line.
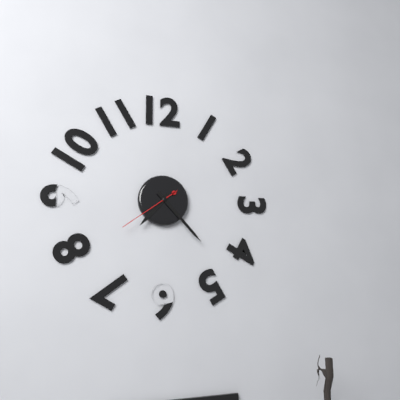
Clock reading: 7h23m39s
